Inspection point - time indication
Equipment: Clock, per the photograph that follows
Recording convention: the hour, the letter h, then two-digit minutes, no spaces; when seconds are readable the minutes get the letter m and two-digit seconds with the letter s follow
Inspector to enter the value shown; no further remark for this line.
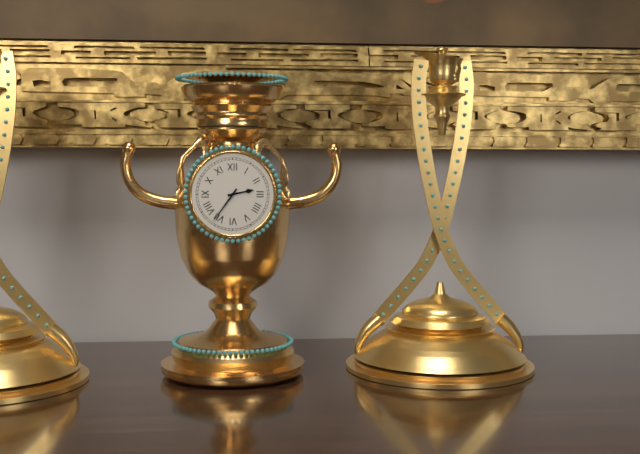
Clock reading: 2h36
